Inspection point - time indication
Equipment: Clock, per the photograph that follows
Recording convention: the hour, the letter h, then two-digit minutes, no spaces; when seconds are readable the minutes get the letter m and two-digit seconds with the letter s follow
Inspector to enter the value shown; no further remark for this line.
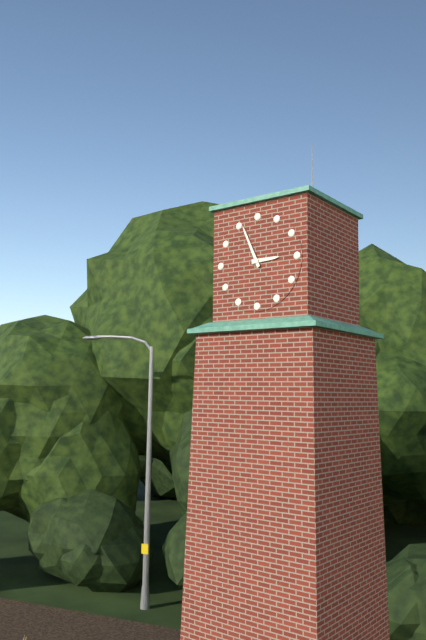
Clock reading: 2h56
